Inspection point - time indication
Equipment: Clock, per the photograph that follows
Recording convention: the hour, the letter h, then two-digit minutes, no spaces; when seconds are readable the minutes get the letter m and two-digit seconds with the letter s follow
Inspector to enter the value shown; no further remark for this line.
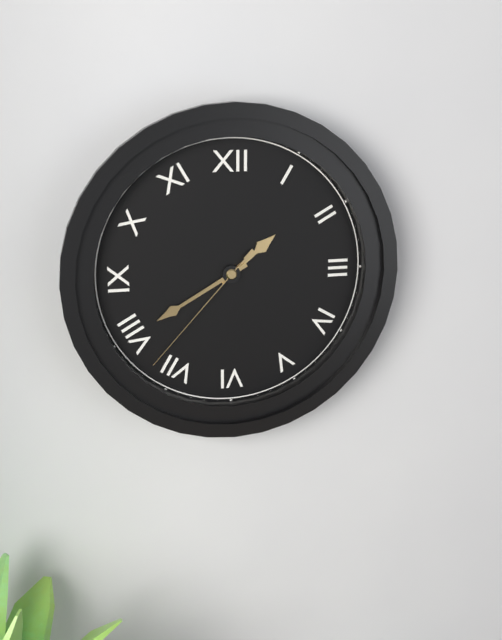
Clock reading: 1h40m37s
